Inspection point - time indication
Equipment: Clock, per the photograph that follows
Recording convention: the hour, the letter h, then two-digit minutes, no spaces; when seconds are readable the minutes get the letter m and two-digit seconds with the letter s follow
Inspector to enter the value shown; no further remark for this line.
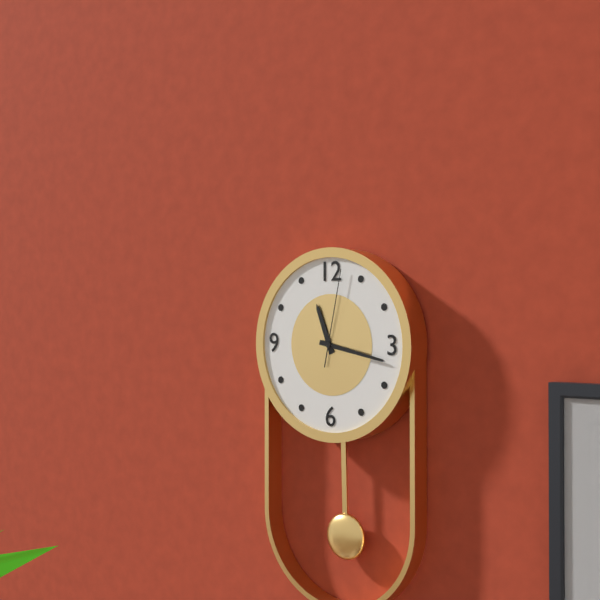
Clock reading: 11h17m02s
